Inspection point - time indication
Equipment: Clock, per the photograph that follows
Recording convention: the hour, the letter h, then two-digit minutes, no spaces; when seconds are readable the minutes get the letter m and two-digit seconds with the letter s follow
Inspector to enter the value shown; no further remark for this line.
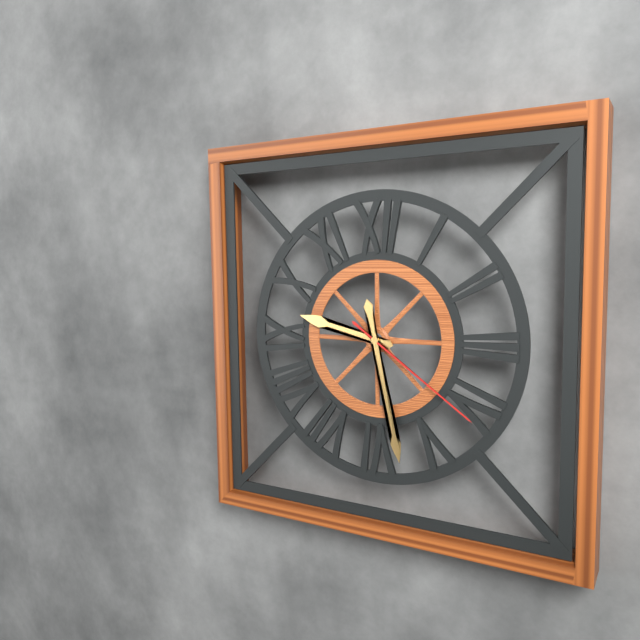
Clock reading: 9h28m21s
